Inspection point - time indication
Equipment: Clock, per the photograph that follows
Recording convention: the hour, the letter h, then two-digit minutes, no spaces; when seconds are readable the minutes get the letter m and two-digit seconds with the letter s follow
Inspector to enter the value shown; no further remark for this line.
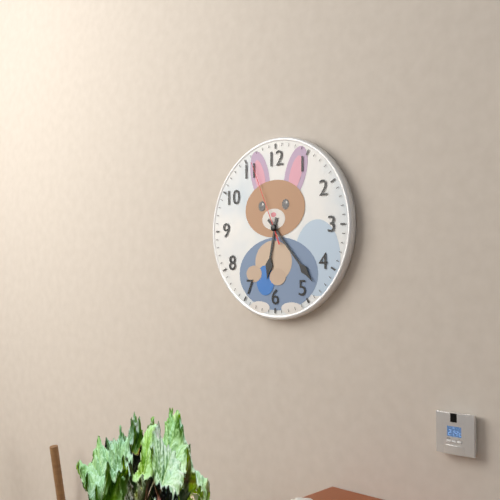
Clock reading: 6h23m56s
